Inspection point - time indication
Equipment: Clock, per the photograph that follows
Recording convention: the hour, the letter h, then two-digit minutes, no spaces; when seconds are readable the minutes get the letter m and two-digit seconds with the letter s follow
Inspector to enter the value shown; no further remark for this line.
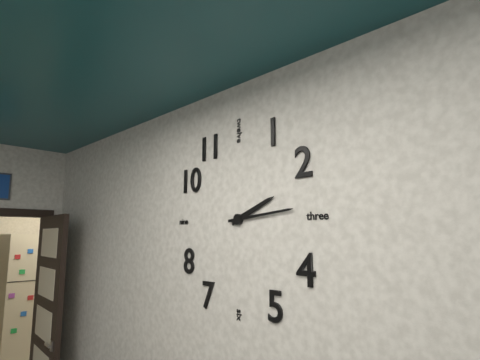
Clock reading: 2h14
